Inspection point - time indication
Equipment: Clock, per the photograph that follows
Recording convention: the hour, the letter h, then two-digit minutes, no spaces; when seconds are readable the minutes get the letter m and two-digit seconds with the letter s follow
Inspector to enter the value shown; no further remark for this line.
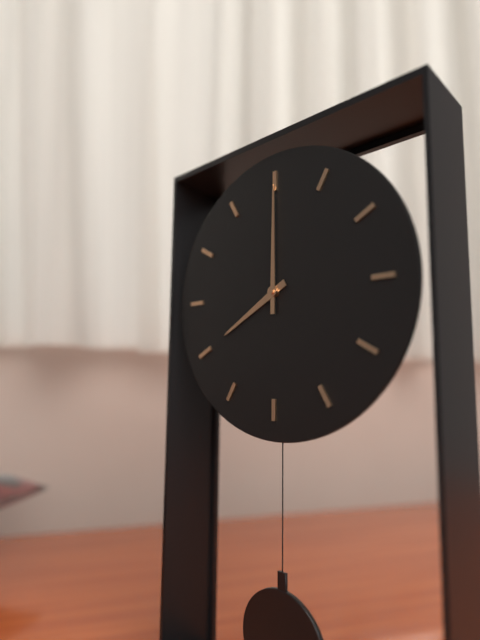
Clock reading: 8h00
